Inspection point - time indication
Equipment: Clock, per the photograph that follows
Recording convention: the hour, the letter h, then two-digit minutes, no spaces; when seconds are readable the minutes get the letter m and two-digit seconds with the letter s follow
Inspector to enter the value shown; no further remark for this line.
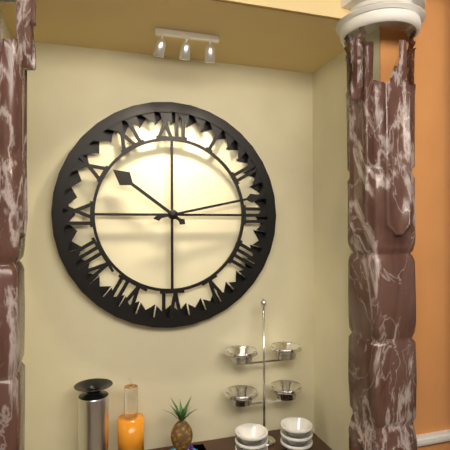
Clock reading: 10h13
